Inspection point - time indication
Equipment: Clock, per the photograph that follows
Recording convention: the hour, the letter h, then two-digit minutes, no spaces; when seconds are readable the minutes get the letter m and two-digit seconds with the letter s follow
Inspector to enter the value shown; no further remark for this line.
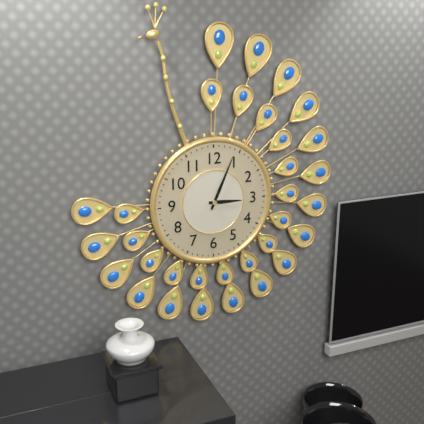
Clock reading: 3h04
